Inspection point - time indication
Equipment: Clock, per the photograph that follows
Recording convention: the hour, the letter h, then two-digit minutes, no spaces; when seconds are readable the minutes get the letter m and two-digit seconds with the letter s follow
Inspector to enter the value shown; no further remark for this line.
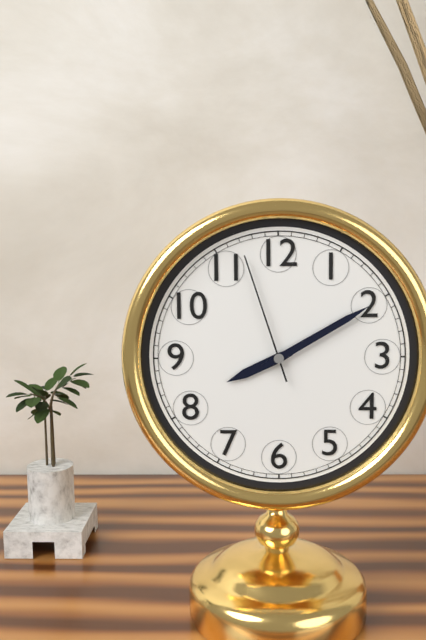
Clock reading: 8h10m57s
